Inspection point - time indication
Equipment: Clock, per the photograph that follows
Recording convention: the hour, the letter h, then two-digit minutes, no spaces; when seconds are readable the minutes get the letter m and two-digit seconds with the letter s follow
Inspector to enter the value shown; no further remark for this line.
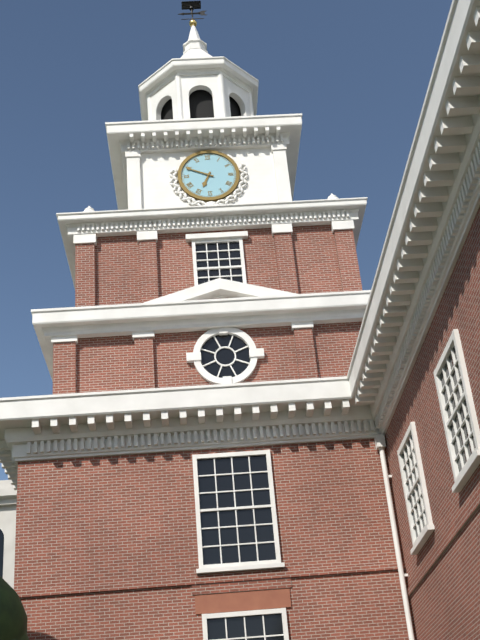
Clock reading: 6h49
